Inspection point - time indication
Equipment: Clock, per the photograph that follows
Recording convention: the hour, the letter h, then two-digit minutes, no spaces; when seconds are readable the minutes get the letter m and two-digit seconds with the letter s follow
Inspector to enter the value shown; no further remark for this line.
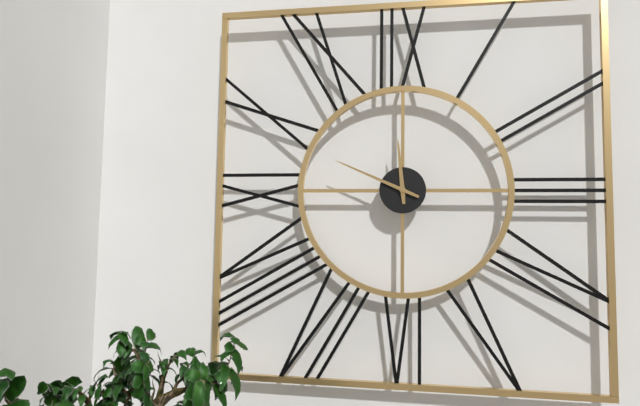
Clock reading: 11h49
